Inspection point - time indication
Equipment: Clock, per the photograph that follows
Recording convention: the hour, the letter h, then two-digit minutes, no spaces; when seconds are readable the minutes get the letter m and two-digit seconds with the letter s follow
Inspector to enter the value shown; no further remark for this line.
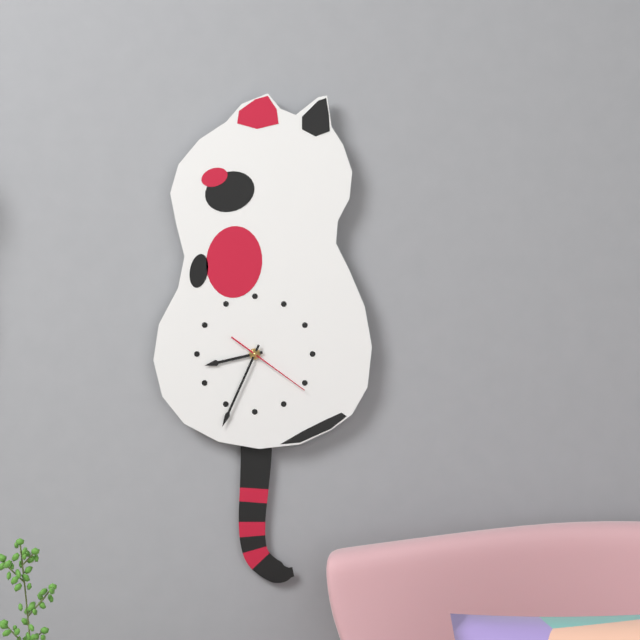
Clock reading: 8h34m21s
